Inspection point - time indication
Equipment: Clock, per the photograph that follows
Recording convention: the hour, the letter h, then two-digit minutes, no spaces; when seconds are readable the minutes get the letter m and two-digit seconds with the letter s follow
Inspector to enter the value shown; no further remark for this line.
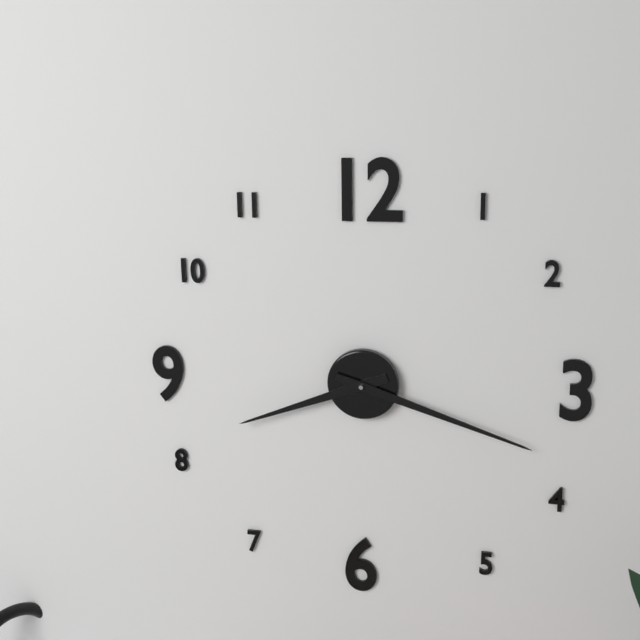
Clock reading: 8h18
